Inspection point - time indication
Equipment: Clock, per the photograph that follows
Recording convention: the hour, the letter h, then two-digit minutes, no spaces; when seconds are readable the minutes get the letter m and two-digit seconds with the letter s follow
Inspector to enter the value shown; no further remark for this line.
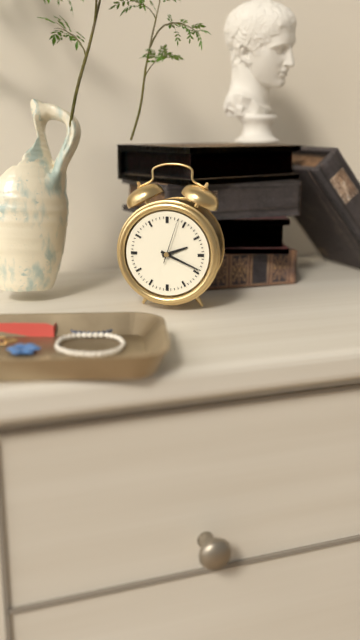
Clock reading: 2h19
